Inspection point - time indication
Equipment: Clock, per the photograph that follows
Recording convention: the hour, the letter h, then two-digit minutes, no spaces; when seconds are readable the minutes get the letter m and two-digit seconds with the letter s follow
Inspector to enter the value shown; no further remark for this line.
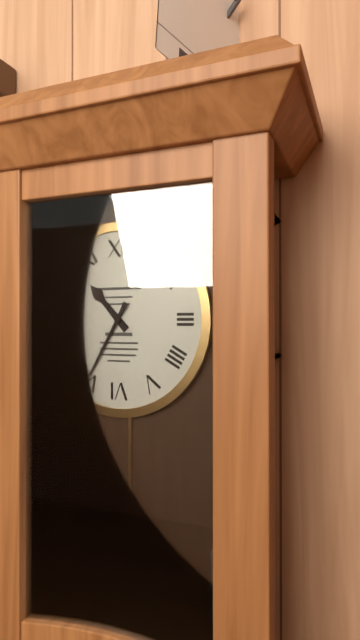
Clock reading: 10h35
